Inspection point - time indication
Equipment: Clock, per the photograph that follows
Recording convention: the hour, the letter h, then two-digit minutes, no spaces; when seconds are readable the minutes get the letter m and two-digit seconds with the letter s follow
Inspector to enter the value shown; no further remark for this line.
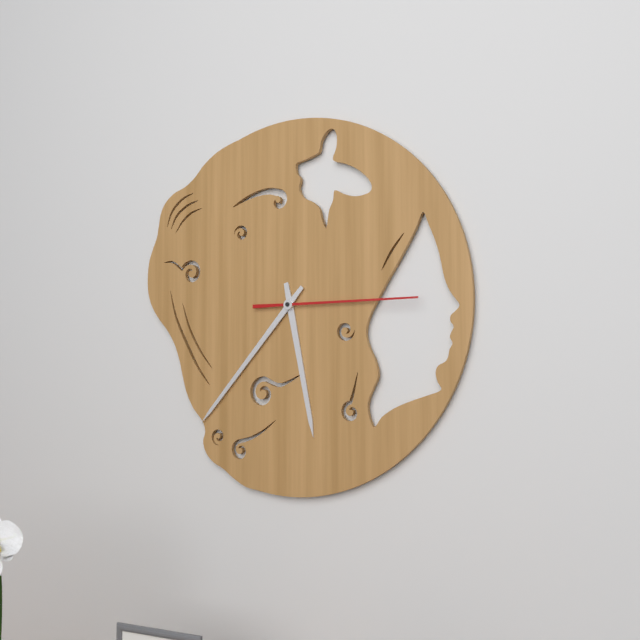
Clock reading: 5h37m15s
